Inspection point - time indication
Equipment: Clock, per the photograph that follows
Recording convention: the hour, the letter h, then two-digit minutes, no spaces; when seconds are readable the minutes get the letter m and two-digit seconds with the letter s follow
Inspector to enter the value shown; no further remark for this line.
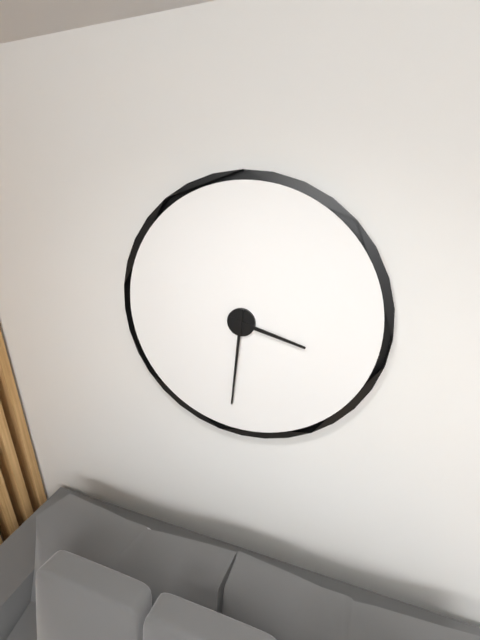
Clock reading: 3h31
